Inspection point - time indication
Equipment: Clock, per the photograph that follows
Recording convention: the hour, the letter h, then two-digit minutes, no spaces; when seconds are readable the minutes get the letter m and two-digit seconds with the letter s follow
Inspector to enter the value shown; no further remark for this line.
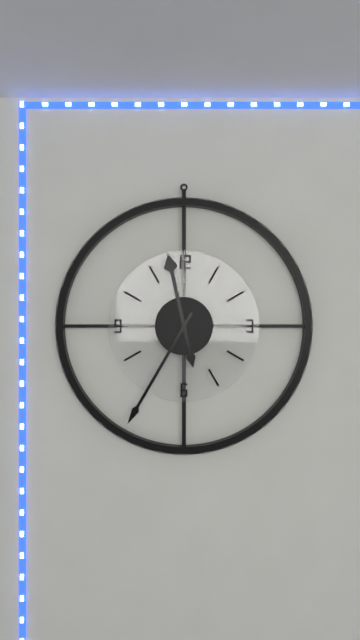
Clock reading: 11h35
